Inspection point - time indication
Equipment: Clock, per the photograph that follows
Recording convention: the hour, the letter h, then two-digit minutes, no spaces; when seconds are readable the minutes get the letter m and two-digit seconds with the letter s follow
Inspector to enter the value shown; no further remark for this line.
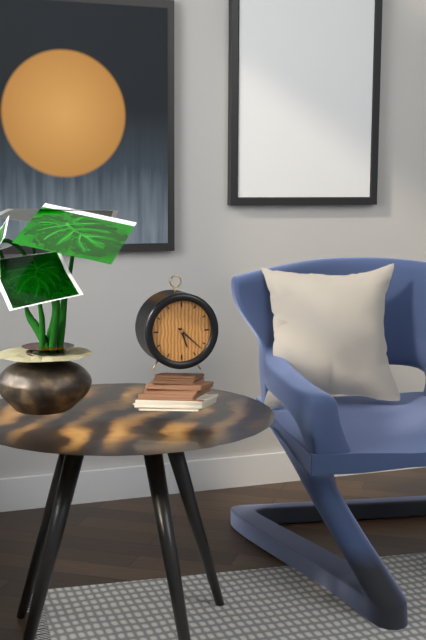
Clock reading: 5h22
